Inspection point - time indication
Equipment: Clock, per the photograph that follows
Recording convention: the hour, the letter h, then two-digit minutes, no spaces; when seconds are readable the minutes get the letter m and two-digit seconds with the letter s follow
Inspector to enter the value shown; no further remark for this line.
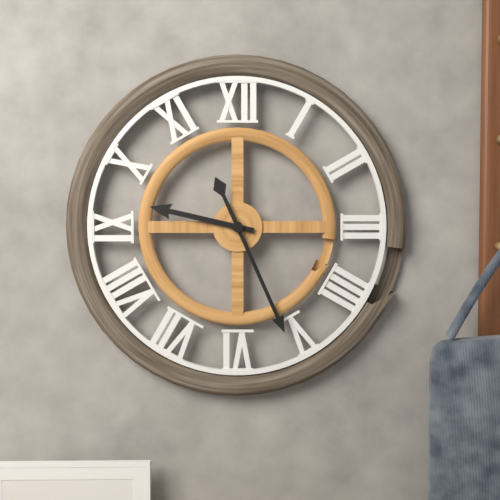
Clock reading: 9h26
